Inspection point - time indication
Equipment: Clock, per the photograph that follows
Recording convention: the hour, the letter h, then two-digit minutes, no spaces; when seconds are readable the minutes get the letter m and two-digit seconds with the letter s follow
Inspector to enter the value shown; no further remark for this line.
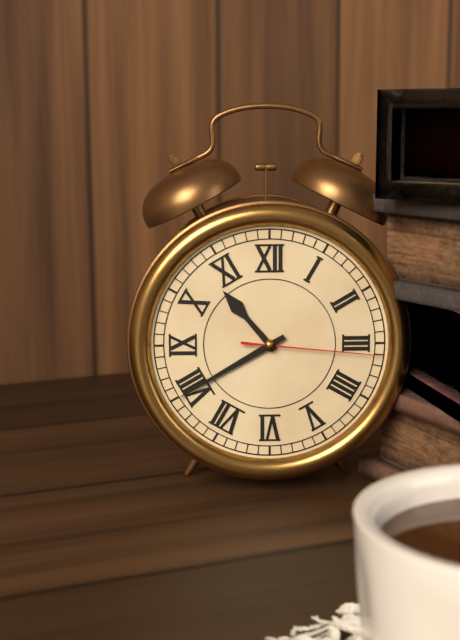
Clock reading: 10h40m16s
